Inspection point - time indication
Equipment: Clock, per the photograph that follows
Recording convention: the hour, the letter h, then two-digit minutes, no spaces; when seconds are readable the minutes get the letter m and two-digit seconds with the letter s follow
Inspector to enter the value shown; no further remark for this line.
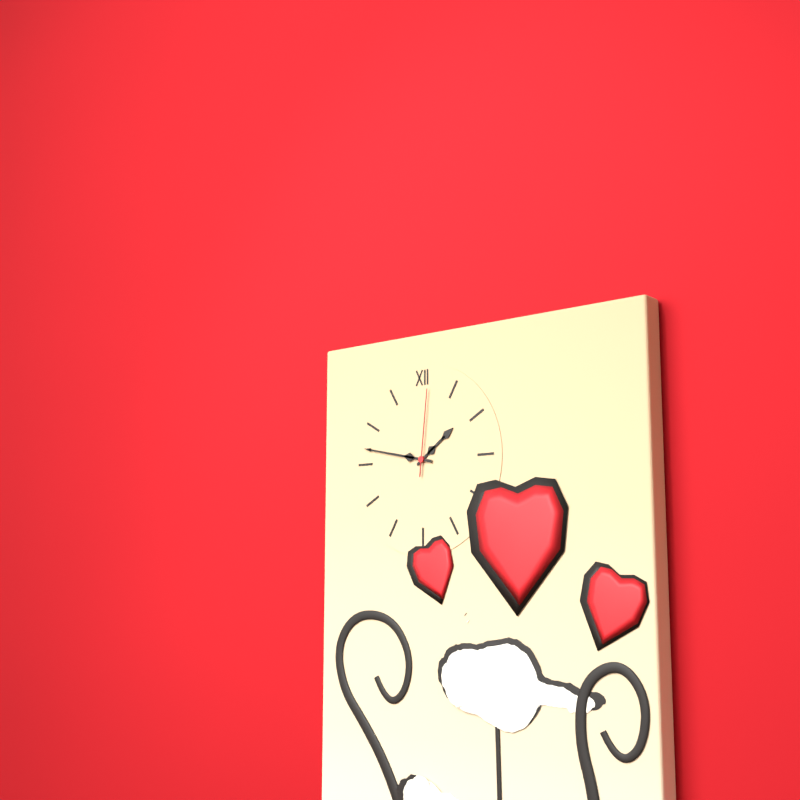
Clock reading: 1h47m01s
